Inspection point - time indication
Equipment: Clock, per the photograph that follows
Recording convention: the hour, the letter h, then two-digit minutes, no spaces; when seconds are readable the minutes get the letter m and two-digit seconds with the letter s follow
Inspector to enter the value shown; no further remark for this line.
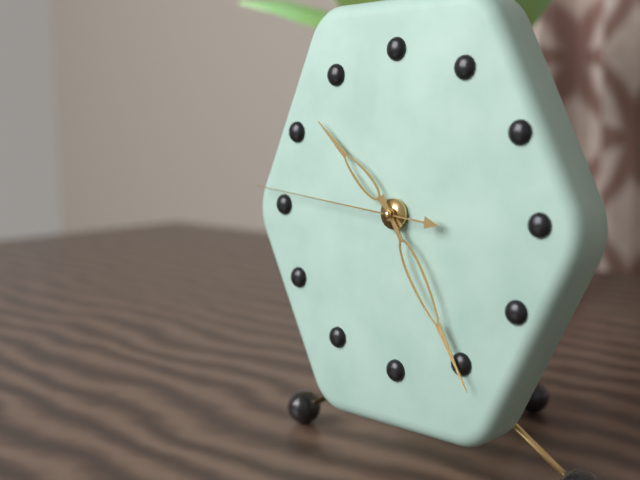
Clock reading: 10h25m46s
